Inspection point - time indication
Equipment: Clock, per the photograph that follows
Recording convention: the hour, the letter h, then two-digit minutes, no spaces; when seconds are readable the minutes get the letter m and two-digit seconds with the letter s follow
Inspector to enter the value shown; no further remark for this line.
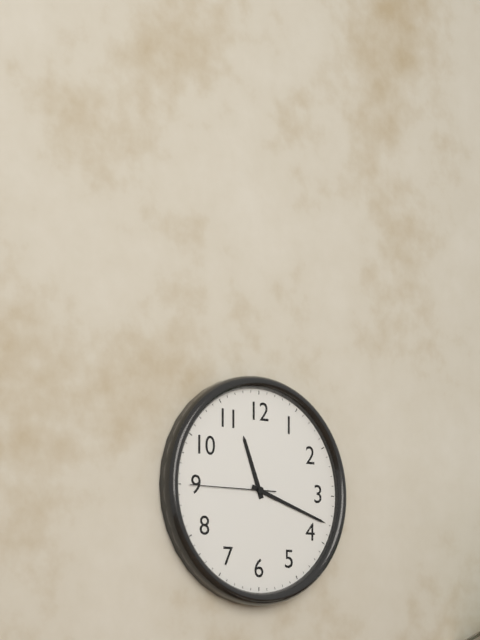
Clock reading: 11h18m45s
